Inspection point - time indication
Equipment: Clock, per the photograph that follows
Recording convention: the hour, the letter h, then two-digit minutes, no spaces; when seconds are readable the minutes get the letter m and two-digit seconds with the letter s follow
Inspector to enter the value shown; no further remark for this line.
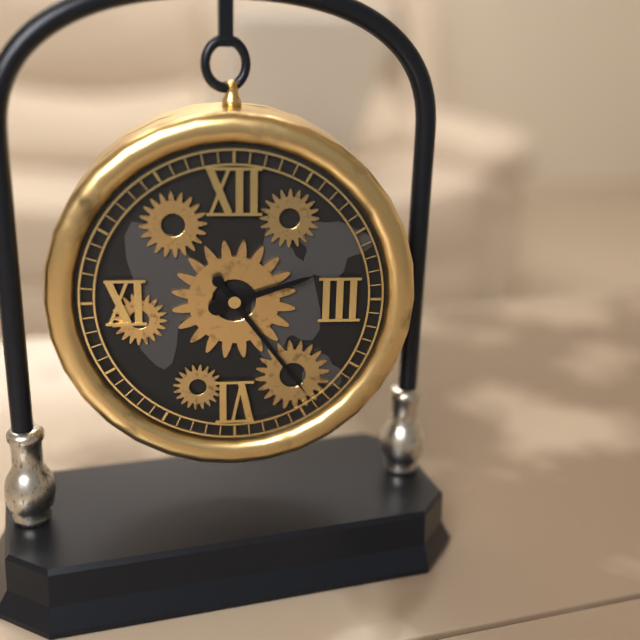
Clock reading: 2h24
